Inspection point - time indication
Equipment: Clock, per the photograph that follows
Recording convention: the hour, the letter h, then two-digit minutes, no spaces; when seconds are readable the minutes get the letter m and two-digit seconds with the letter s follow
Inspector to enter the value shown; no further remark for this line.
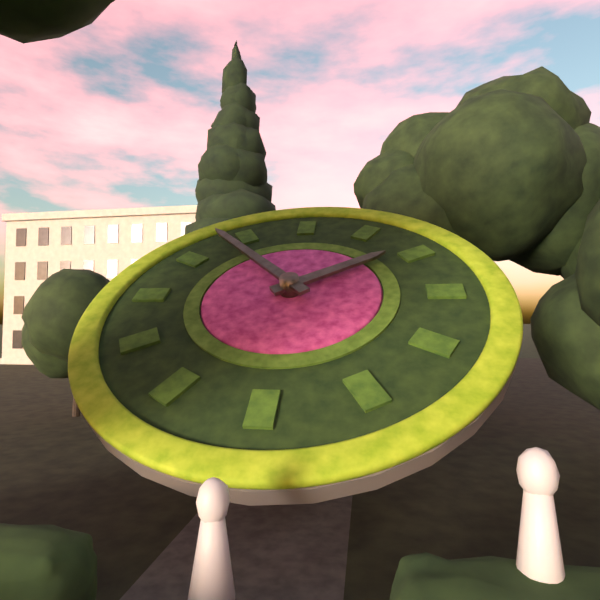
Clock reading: 1h53
